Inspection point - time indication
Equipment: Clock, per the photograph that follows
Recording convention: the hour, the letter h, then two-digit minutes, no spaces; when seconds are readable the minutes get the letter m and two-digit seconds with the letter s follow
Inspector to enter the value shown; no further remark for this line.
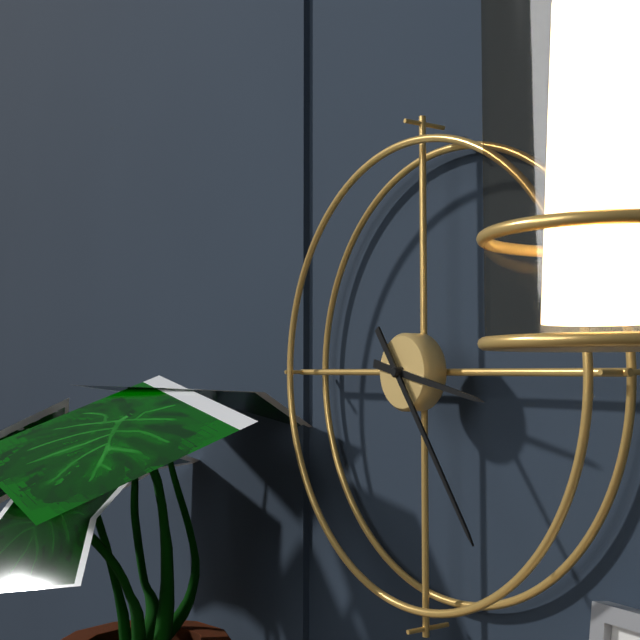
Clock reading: 3h24
